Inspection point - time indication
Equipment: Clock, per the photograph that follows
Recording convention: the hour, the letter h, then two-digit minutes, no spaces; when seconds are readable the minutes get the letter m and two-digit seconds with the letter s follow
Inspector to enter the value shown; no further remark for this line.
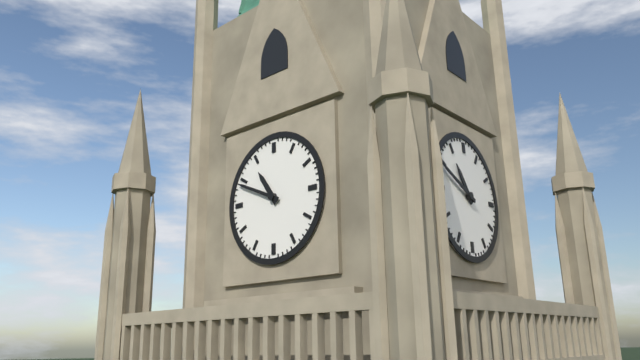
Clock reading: 10h49
